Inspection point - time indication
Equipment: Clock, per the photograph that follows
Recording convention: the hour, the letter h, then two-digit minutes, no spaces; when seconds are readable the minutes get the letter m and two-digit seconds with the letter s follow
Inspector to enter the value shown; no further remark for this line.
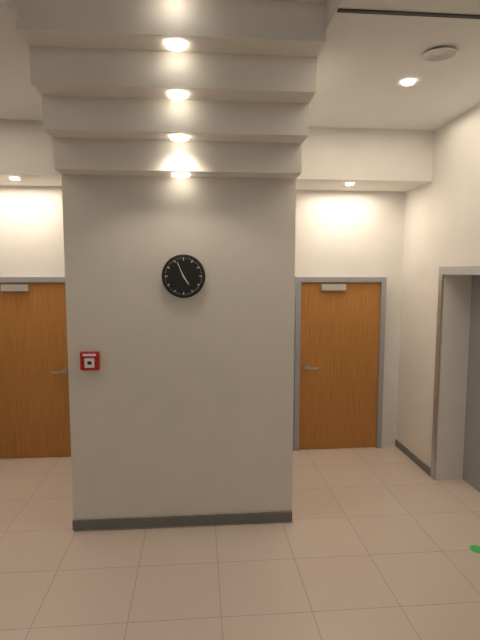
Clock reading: 4h56
